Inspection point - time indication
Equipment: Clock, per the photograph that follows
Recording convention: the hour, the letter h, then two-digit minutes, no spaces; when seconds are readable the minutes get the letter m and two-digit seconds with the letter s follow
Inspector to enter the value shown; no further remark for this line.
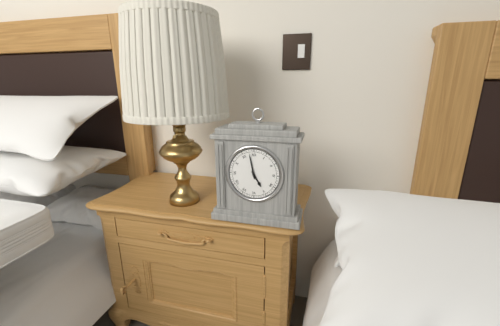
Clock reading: 4h58
